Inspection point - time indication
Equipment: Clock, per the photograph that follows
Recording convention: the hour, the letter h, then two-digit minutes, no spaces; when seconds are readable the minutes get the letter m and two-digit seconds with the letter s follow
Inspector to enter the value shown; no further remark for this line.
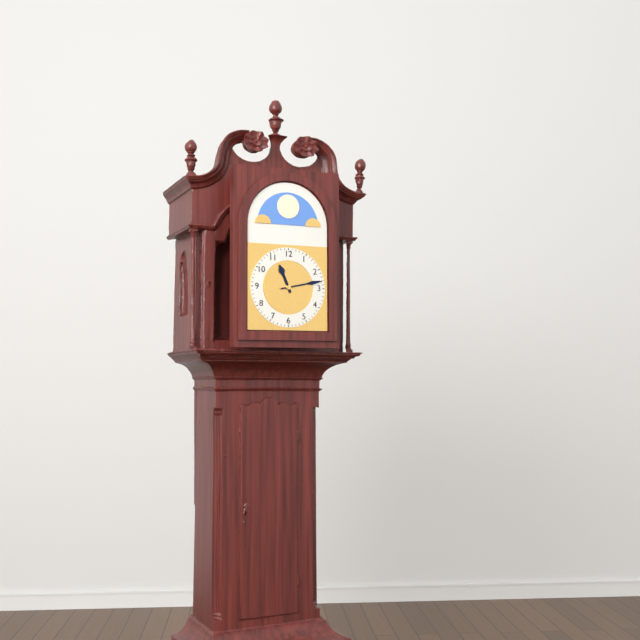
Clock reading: 11h13
